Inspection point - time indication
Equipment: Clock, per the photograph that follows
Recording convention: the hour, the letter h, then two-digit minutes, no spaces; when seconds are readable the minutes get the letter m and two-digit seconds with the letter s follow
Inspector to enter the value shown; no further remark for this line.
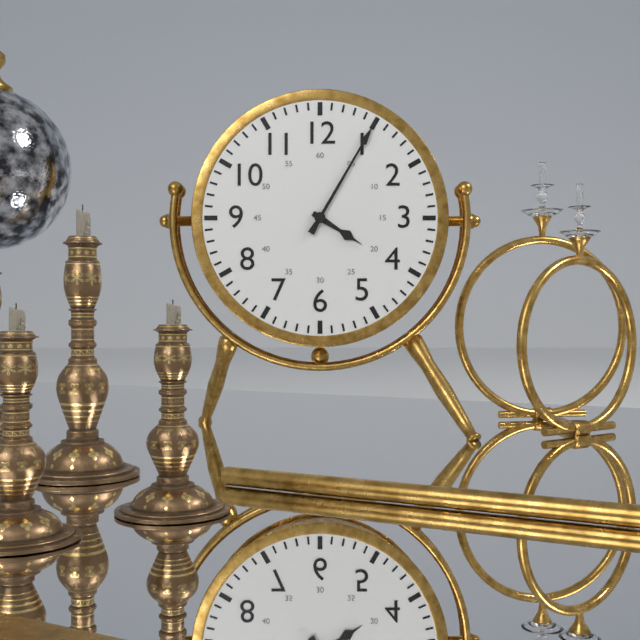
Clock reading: 4h05
